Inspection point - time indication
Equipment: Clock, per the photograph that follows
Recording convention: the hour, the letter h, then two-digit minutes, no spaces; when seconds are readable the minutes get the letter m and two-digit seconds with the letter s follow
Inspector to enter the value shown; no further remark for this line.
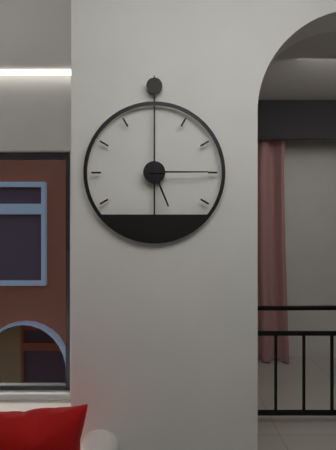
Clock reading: 5h15
